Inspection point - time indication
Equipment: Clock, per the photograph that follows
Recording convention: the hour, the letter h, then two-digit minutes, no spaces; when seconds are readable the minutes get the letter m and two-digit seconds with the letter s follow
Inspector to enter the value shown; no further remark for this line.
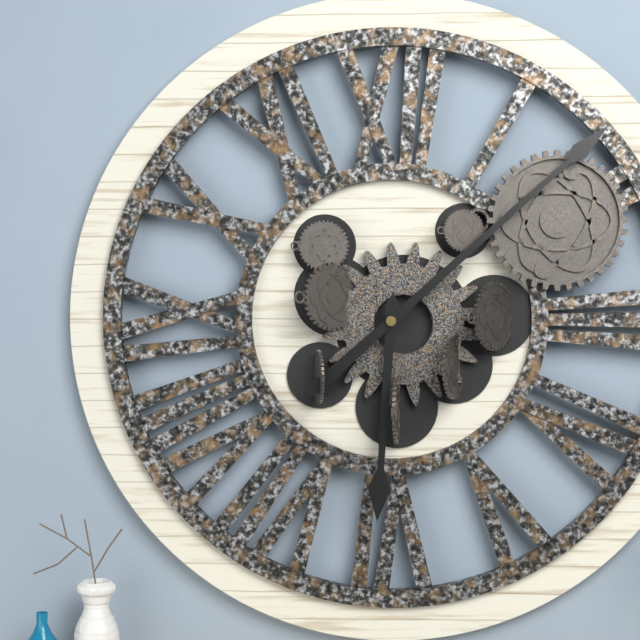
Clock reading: 6h08
